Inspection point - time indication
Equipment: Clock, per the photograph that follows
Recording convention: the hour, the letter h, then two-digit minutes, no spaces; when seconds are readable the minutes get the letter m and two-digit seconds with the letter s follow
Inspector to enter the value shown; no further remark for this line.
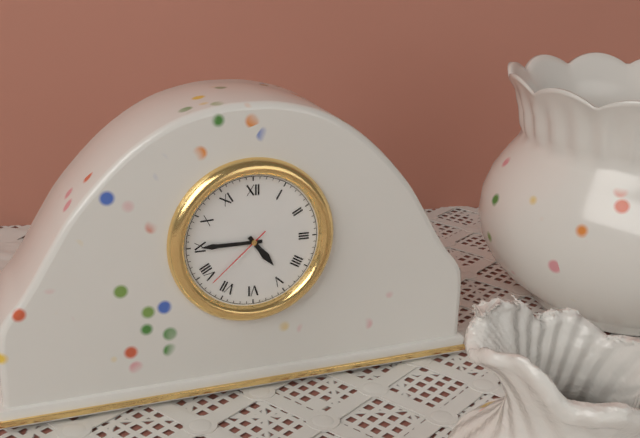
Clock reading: 4h45m38s
